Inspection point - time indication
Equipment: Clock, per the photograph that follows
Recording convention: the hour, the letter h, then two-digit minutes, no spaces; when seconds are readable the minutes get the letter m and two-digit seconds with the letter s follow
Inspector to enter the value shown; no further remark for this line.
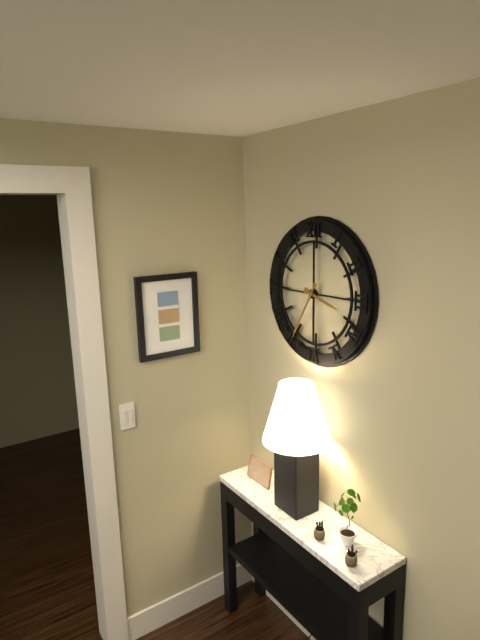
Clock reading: 3h35
